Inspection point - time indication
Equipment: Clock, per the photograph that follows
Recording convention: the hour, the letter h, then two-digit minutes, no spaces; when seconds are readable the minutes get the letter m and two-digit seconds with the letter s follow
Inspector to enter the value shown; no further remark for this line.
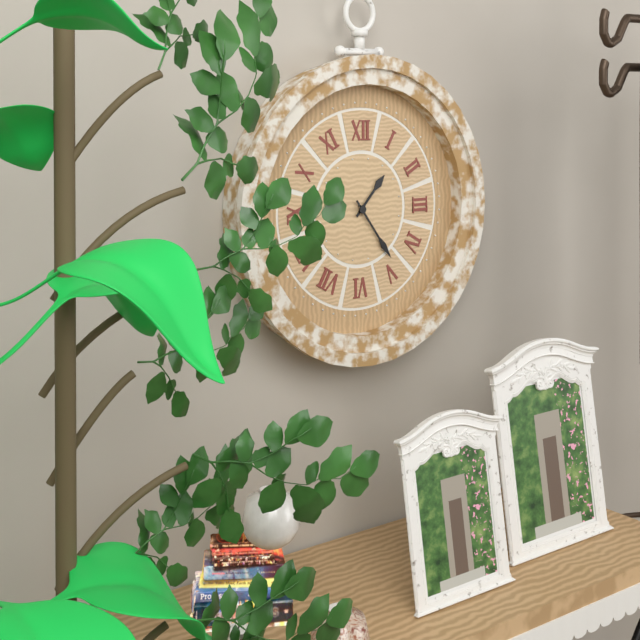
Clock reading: 1h24
